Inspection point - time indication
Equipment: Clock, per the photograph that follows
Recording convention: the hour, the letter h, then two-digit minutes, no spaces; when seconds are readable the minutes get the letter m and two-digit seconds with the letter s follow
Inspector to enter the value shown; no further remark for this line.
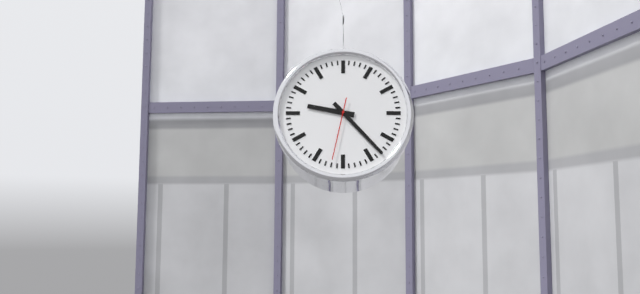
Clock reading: 9h23m32s
